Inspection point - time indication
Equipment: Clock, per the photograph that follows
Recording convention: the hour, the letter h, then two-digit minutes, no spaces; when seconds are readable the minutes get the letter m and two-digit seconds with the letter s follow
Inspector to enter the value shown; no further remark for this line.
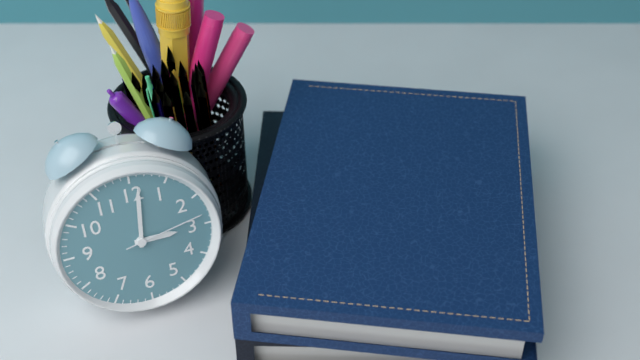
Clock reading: 3h01m13s
